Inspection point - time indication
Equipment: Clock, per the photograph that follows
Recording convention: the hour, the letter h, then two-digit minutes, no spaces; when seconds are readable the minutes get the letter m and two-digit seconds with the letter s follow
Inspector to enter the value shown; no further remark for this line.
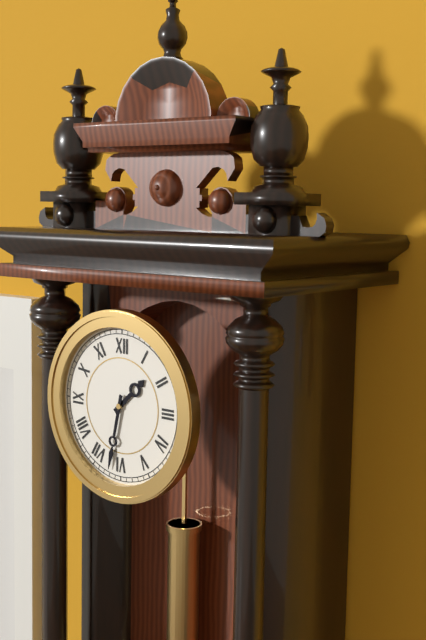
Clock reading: 1h32
